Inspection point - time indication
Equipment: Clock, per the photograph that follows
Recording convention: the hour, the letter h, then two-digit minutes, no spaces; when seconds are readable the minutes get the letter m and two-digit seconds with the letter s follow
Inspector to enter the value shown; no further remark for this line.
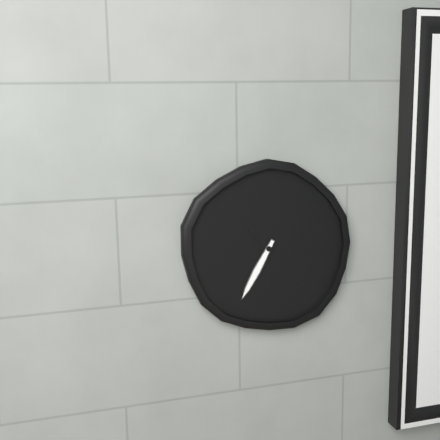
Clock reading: 10h35
